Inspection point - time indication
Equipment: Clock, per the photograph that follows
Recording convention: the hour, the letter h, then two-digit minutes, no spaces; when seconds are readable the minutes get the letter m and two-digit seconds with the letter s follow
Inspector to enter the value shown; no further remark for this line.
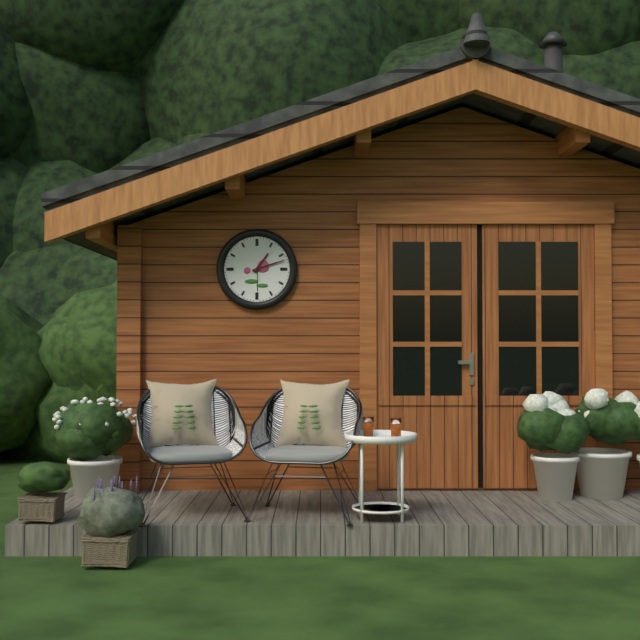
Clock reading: 1h12
